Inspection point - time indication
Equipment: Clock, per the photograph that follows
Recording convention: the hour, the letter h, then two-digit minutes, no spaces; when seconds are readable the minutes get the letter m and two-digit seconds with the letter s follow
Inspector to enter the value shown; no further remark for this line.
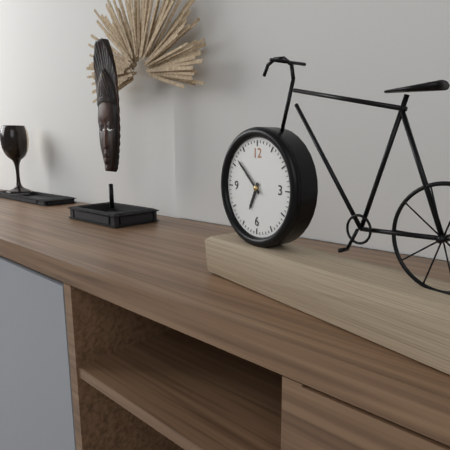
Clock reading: 6h52
